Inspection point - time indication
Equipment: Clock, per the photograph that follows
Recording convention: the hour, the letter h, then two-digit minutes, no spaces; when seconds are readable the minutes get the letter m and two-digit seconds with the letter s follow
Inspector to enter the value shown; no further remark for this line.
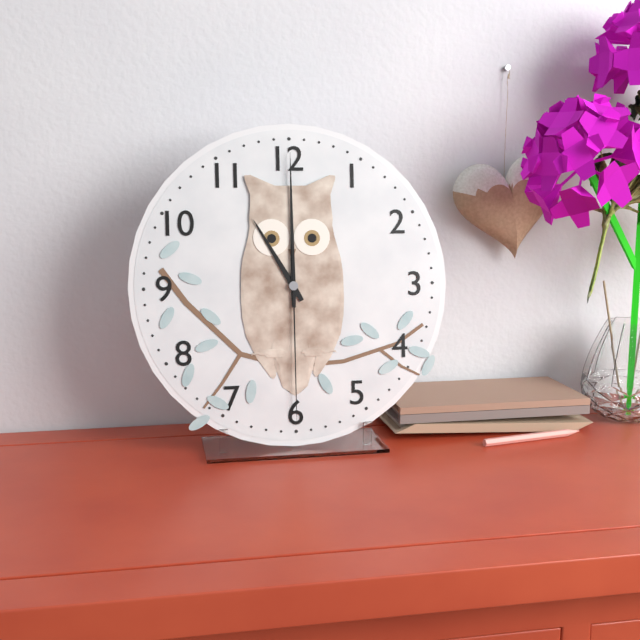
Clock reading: 11h00m30s
